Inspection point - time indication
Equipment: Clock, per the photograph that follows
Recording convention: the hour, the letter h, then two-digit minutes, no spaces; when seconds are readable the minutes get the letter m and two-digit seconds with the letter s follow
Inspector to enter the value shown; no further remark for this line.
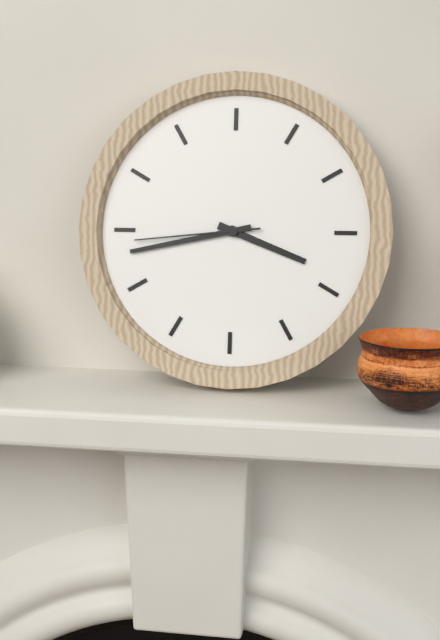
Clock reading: 3h43m44s
